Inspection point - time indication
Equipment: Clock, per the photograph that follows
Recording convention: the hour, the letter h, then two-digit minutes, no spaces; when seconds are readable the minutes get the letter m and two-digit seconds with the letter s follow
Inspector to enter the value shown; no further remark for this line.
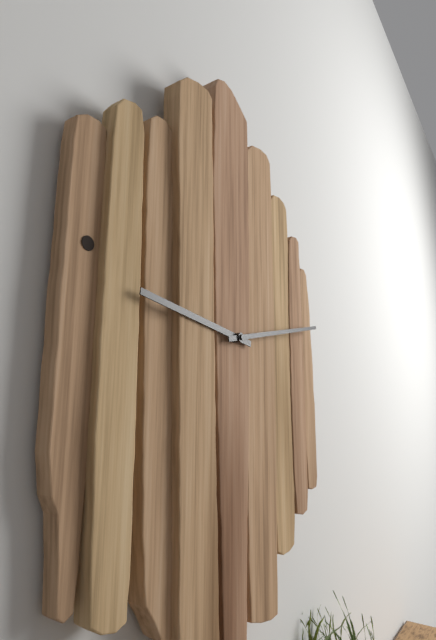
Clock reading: 9h13
